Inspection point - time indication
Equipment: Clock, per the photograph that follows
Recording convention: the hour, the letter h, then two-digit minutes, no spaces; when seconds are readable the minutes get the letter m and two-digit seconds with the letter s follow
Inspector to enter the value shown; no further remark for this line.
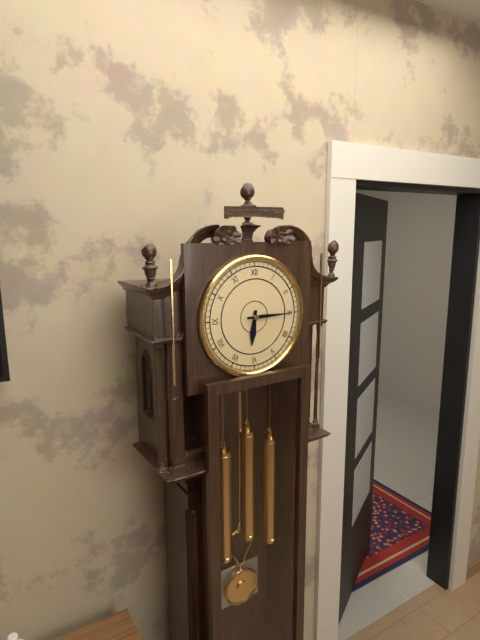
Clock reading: 6h15
